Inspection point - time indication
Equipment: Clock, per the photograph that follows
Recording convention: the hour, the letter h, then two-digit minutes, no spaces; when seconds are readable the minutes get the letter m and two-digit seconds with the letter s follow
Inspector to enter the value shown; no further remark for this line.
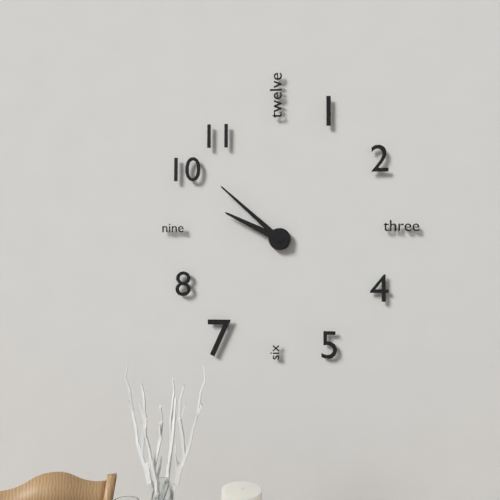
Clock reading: 9h52
